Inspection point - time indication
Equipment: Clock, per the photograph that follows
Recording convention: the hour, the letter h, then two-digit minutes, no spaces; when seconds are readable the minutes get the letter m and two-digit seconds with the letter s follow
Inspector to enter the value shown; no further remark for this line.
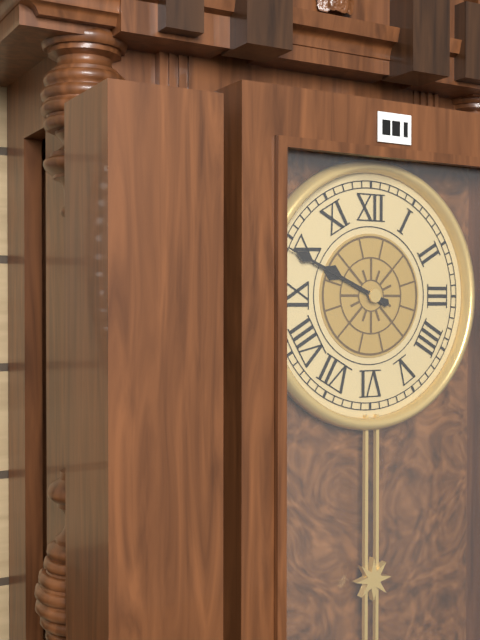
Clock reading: 9h49
